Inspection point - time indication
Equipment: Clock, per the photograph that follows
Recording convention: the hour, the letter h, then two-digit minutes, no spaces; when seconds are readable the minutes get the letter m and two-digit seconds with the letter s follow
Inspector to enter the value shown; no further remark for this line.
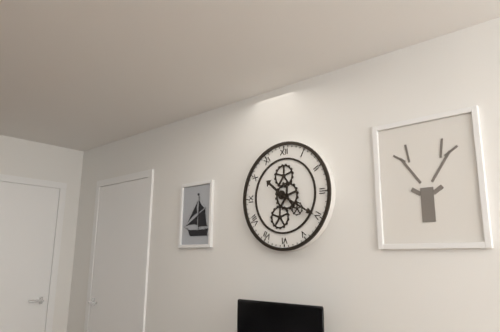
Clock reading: 10h20
